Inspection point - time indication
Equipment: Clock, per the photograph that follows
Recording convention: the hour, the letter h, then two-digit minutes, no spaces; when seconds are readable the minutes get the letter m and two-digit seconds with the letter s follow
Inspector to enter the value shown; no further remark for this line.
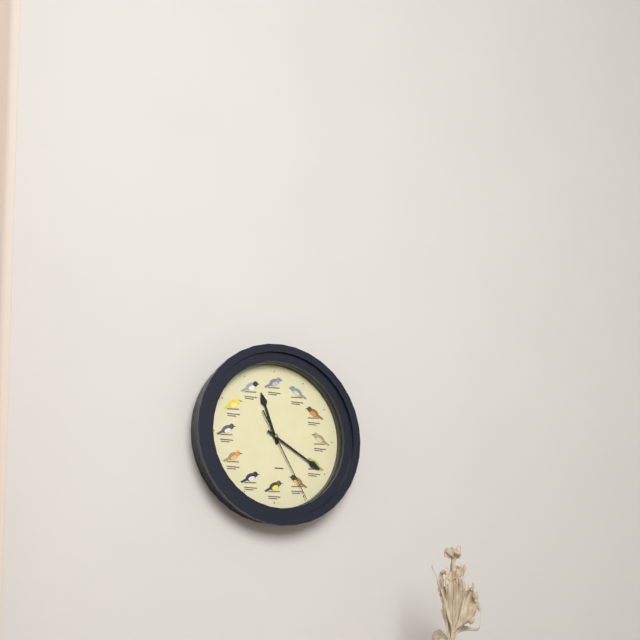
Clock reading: 11h20m25s
